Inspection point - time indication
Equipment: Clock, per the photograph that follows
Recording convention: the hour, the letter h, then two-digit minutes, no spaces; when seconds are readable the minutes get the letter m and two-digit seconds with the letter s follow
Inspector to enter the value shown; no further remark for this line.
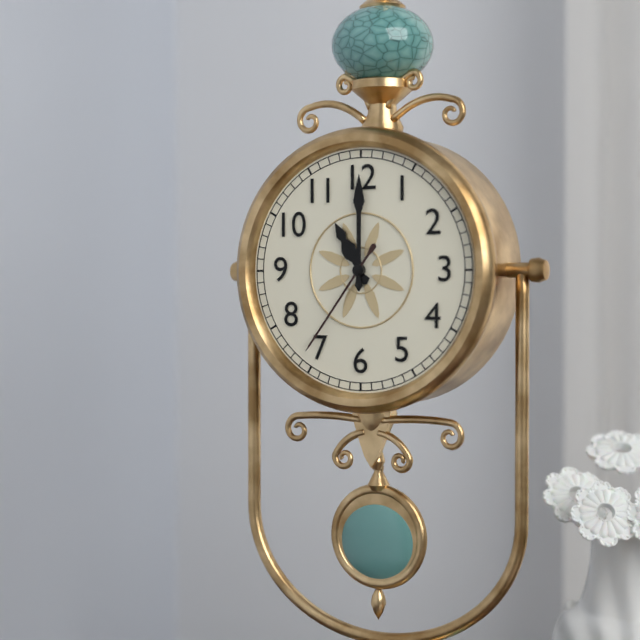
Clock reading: 11h00m36s
